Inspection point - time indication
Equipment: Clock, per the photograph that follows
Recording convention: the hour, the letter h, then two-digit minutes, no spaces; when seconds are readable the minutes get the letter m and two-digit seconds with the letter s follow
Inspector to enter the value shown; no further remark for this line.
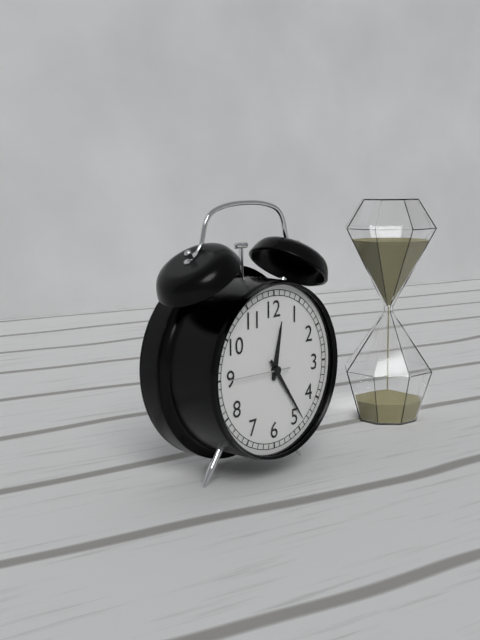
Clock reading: 12h24m45s
